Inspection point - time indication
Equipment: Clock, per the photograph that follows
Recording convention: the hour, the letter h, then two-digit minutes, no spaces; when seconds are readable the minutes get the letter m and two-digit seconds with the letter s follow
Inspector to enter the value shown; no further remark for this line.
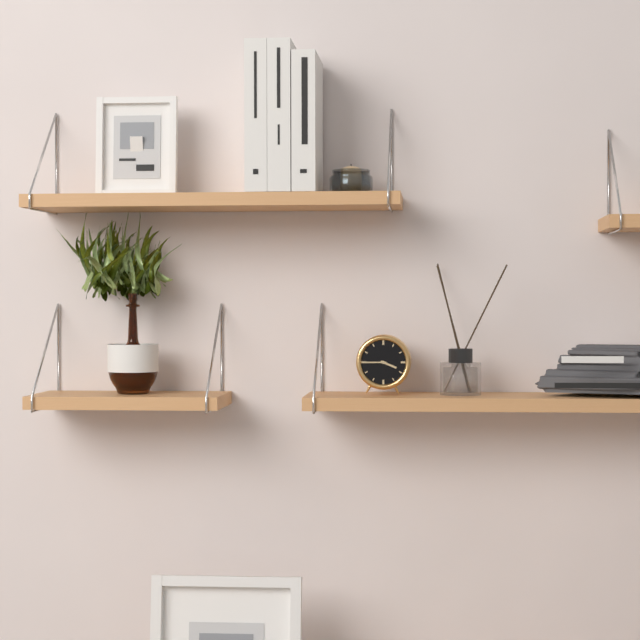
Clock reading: 3h45
